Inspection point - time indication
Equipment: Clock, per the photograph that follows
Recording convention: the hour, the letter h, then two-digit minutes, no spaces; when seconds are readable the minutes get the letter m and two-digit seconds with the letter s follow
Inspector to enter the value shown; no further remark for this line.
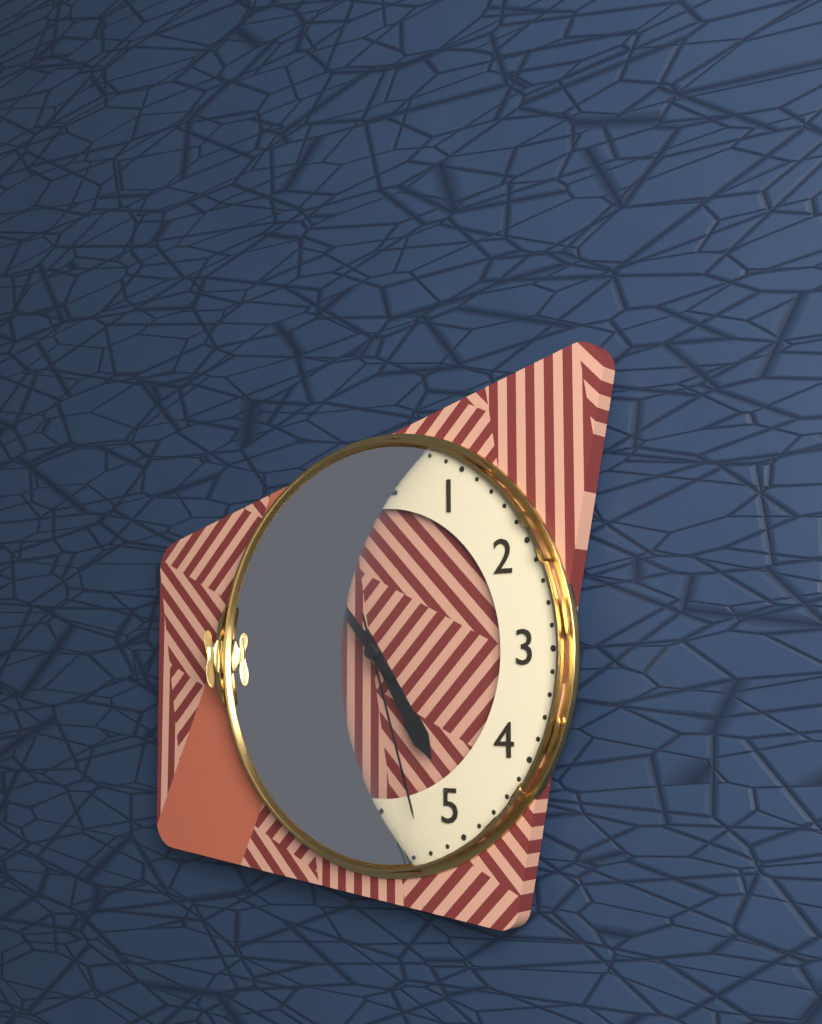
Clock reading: 4h53m27s
